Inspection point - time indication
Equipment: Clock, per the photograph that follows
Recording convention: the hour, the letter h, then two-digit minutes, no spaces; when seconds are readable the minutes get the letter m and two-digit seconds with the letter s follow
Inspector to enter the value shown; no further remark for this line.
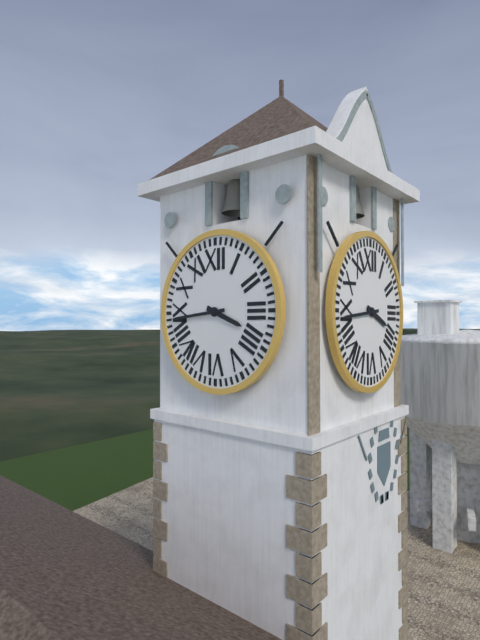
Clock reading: 3h44
